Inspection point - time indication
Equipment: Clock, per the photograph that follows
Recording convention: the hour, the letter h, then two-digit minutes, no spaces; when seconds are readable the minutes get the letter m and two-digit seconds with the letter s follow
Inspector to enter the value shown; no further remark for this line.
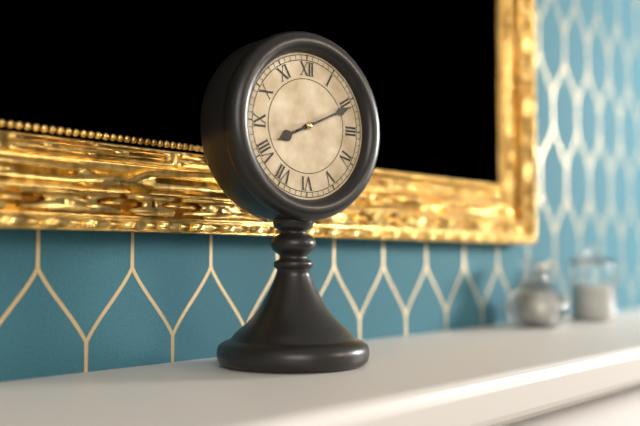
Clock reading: 8h11
